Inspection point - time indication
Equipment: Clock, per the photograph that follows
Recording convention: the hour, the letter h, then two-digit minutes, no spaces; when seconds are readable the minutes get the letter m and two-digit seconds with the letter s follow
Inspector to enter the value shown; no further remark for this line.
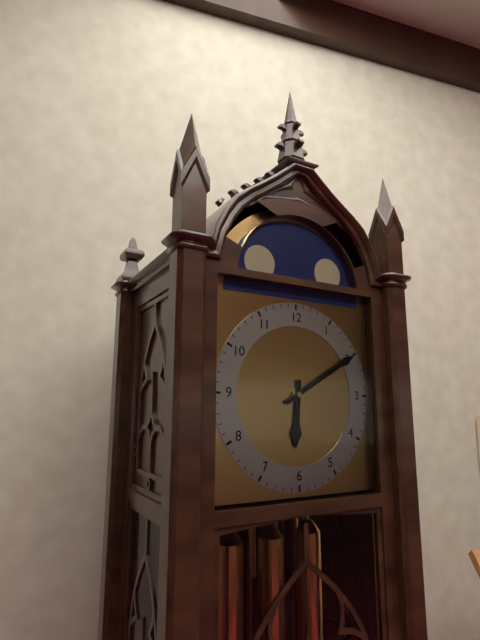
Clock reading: 6h10
